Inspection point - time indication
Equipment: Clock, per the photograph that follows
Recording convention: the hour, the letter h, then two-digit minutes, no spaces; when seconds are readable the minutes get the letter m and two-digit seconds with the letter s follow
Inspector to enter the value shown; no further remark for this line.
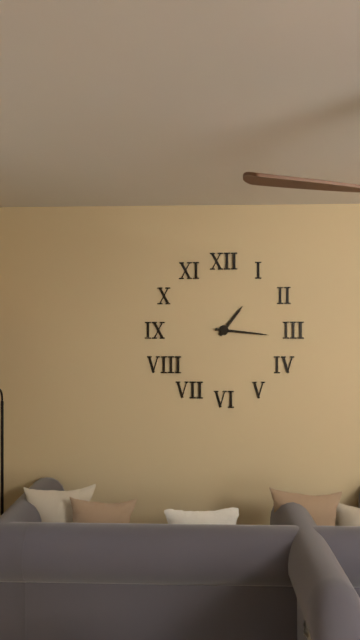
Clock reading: 1h16
